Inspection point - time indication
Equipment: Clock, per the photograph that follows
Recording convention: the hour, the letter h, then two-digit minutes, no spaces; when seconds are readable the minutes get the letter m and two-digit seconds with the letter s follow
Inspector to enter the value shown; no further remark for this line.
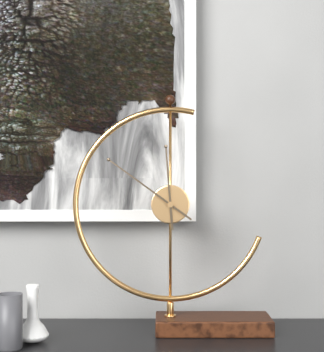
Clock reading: 11h51
